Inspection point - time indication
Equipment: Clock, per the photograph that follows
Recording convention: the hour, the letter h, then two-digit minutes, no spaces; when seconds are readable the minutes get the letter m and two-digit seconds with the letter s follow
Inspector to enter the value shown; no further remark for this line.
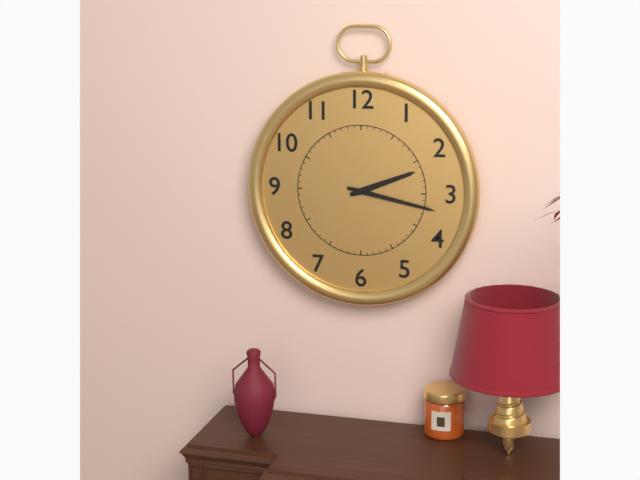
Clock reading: 2h17
